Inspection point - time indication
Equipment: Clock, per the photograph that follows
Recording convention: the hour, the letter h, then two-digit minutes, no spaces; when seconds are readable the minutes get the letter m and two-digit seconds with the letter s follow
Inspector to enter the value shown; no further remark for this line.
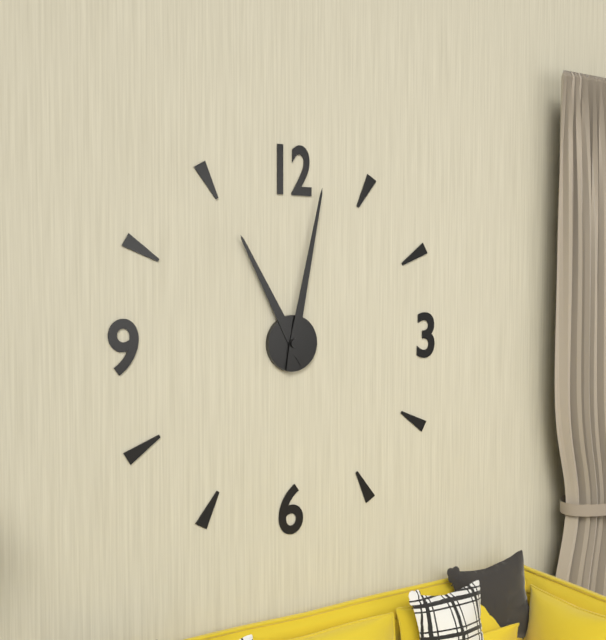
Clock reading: 11h02
